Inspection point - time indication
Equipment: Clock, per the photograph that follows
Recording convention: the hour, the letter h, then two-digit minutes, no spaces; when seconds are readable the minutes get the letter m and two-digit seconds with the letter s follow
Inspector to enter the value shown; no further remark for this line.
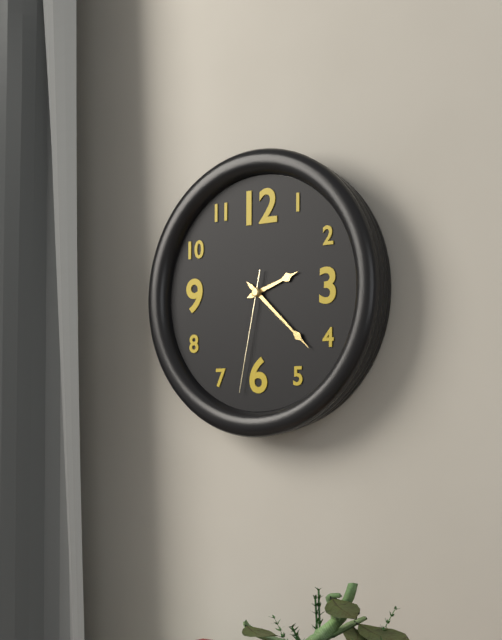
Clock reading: 2h22m32s
